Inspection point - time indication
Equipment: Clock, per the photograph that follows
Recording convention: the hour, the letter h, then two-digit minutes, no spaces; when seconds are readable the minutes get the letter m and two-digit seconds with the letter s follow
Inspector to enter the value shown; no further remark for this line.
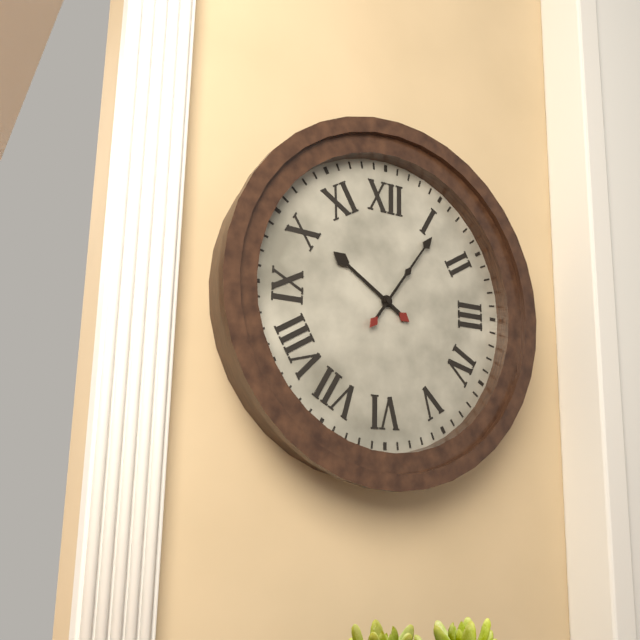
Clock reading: 10h06
